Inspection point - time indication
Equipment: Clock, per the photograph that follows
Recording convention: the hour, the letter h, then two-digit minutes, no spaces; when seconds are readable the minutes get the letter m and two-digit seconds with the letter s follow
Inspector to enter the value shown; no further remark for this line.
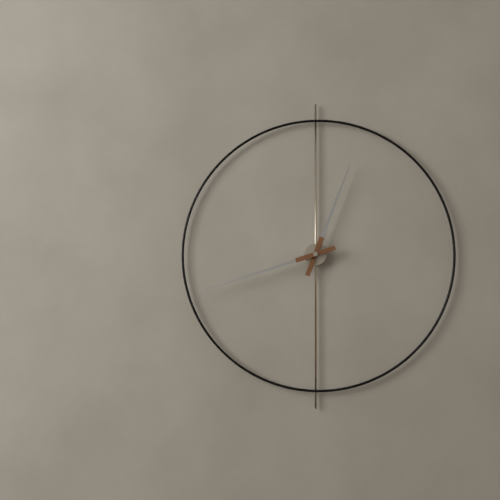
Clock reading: 12h42
